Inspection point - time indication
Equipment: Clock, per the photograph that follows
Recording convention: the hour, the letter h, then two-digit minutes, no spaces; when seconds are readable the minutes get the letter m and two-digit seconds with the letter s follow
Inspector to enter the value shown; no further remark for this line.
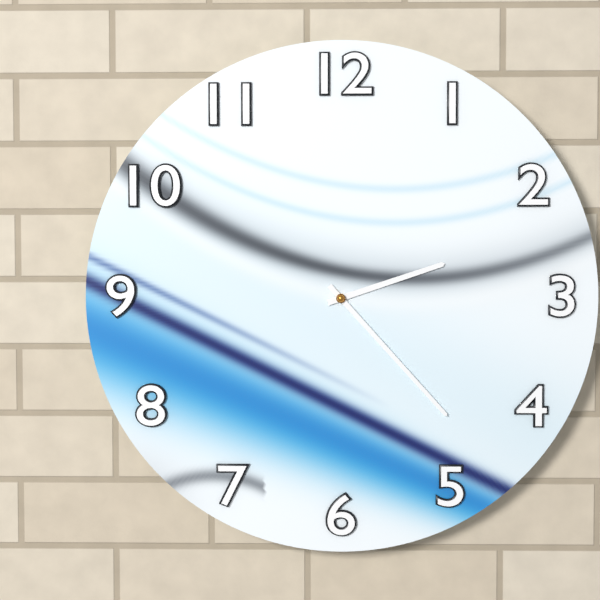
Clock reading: 2h23
